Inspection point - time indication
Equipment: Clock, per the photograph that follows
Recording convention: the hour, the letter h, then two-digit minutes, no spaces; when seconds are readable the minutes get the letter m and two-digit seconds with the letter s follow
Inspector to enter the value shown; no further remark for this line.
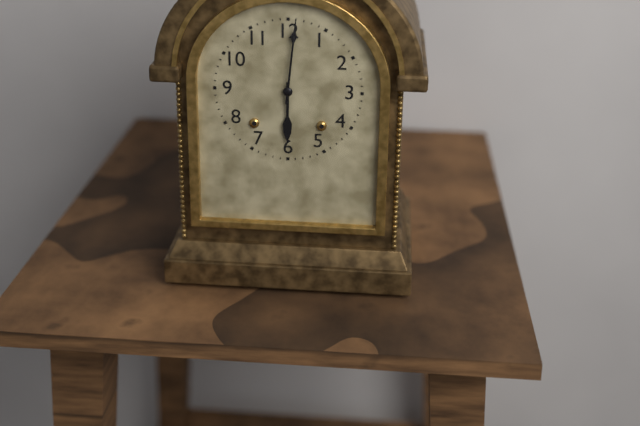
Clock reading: 6h01
